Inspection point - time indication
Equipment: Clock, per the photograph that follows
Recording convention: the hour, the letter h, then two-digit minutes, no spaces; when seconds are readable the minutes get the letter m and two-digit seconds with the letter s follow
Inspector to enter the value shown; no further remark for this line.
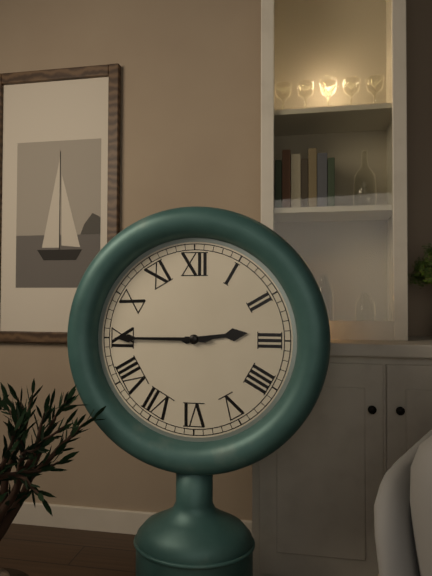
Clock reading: 2h45
